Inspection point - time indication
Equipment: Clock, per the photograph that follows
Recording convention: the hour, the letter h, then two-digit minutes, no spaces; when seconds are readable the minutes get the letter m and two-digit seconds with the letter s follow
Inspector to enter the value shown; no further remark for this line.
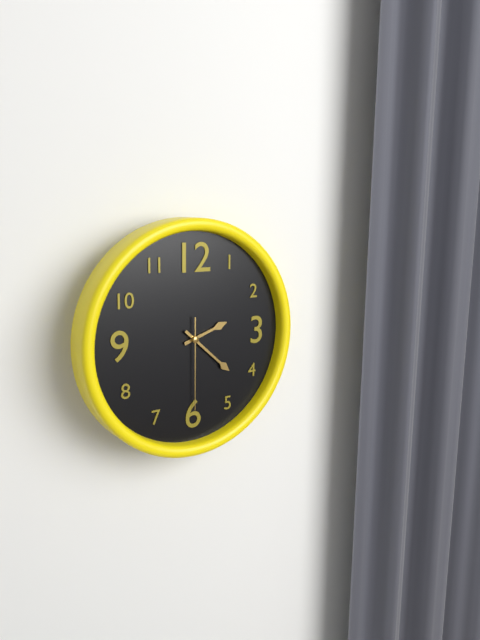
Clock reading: 2h22m30s
